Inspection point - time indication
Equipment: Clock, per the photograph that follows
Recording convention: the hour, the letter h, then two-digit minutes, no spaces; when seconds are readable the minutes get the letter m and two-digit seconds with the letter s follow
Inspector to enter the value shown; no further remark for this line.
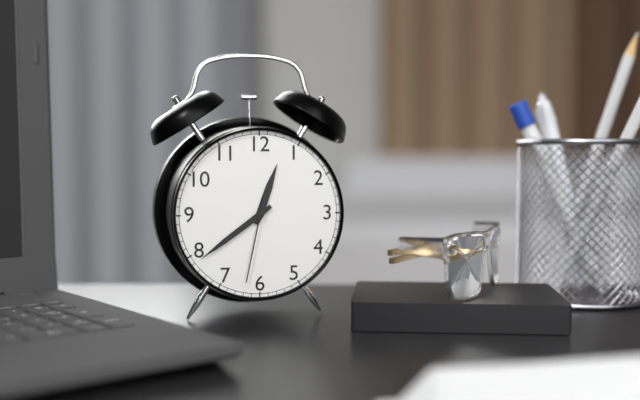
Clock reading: 12h39m32s
